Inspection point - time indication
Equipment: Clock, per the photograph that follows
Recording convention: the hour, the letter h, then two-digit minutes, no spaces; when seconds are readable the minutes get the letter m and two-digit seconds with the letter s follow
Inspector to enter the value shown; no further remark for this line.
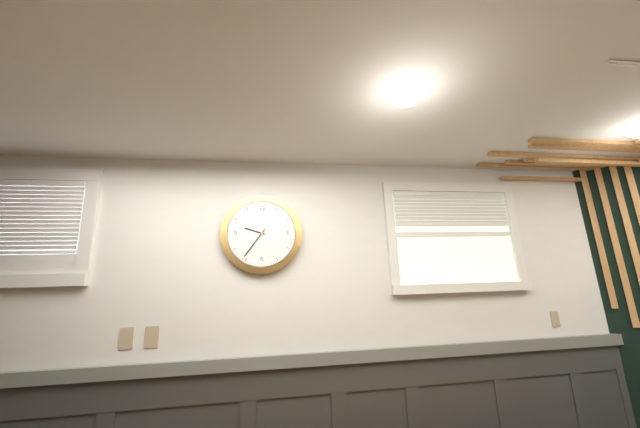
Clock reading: 9h36
